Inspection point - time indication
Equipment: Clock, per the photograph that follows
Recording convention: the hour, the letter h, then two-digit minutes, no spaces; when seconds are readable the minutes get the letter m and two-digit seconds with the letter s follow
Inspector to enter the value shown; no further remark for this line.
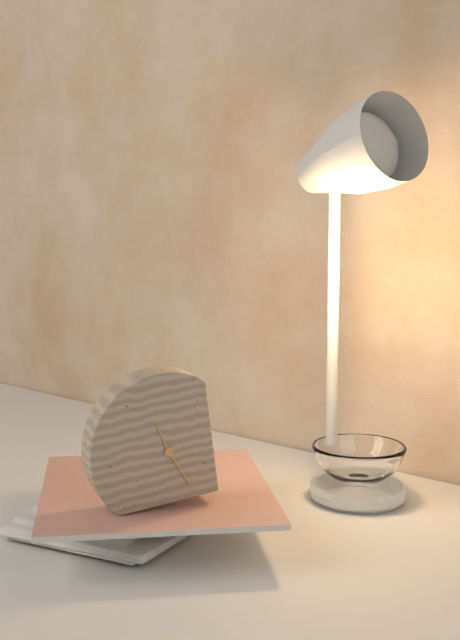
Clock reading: 11h26
